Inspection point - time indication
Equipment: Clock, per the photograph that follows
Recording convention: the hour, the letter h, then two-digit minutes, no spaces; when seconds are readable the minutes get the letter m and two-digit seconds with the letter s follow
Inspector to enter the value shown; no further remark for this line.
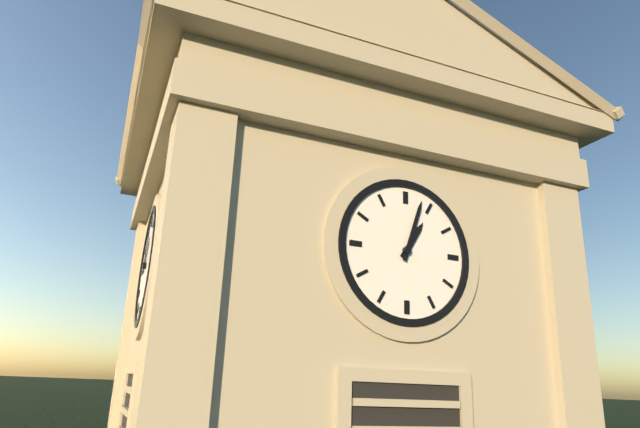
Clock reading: 1h03
